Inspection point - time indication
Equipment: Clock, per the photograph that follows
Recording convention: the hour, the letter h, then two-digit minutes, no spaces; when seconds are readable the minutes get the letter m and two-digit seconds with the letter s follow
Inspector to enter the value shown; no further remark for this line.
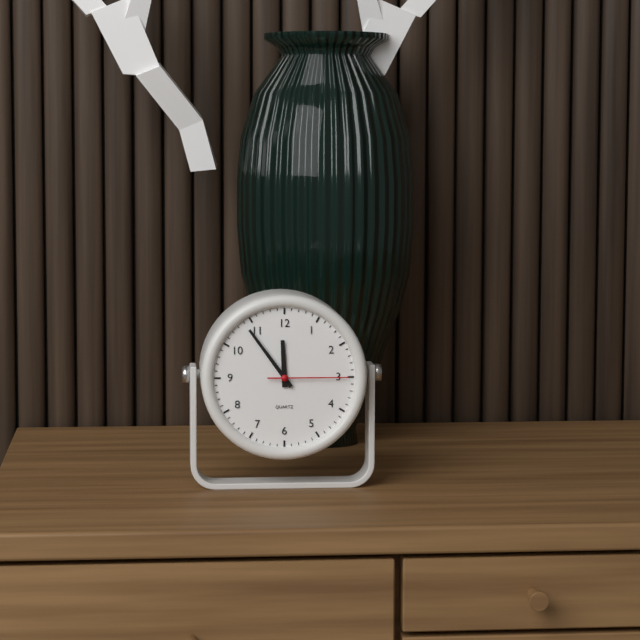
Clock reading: 11h54m15s
